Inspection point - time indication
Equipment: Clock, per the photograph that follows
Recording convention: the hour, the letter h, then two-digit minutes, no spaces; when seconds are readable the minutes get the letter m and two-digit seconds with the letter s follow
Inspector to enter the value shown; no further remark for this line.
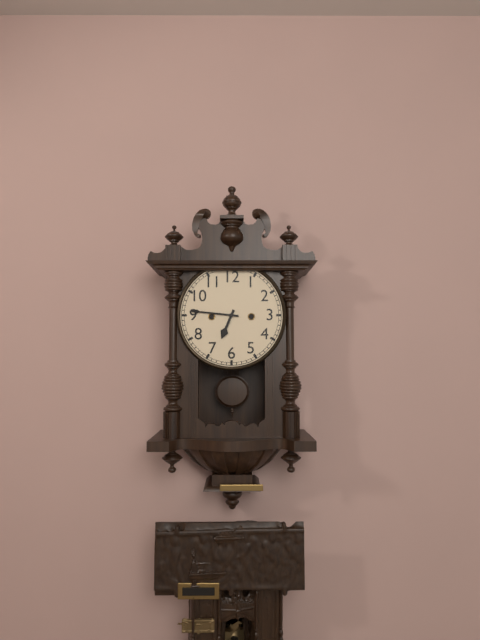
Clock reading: 6h46
